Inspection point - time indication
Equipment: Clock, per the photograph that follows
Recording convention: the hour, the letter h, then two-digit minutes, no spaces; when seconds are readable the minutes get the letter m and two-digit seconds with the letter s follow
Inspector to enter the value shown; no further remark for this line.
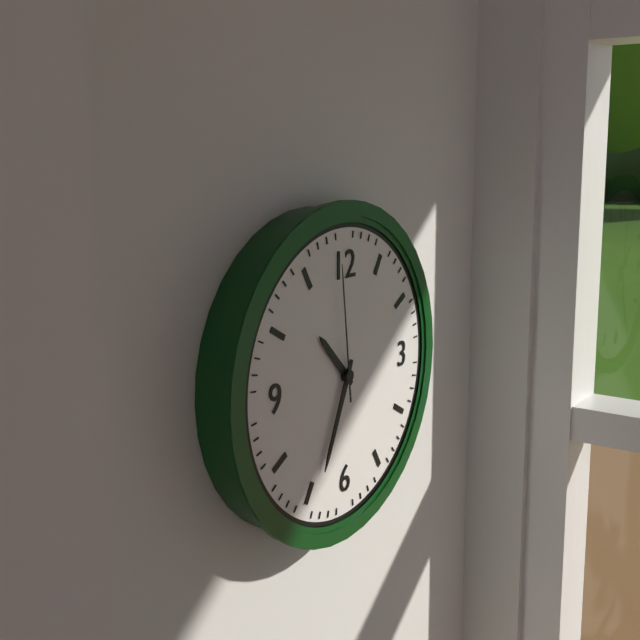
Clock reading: 10h34m59s
